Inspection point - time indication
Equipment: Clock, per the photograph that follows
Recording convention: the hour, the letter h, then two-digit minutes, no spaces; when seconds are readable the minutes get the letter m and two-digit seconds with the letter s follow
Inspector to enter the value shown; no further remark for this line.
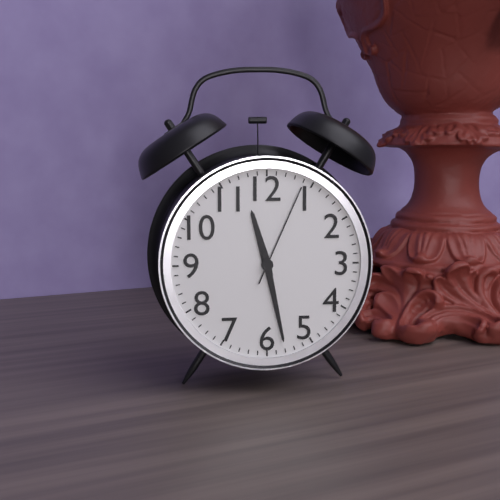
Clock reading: 11h28m04s
